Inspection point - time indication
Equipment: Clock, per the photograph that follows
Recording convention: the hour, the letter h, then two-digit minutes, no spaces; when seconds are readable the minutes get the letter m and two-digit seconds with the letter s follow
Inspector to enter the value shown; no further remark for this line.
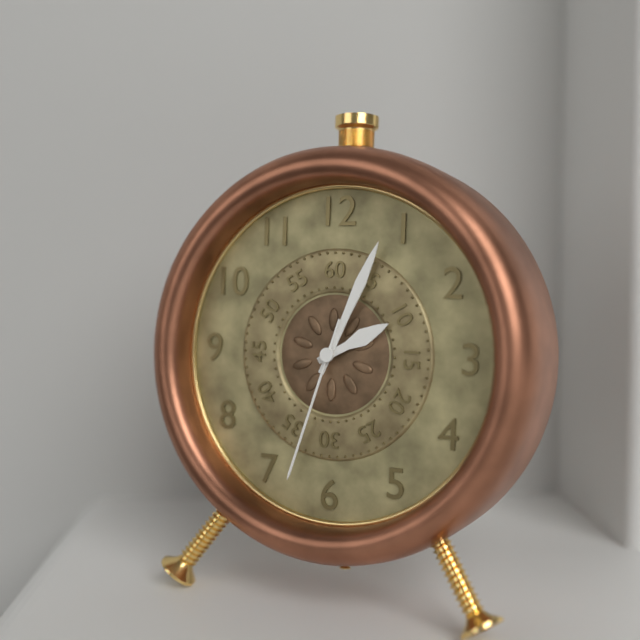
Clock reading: 2h04m33s
